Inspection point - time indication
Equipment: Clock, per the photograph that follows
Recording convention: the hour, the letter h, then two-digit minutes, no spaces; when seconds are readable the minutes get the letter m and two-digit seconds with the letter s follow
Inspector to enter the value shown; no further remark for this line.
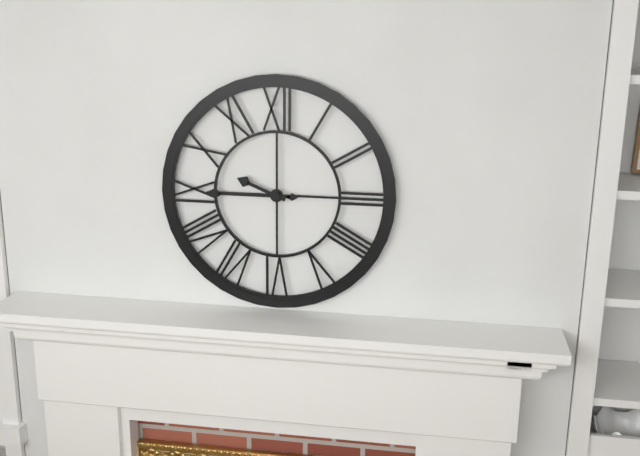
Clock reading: 9h45
